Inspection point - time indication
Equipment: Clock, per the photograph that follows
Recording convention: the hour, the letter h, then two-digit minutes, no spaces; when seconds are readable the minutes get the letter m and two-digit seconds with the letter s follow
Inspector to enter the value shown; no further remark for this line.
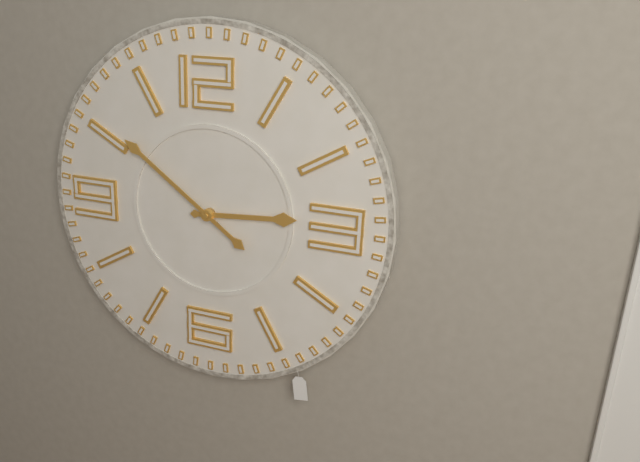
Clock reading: 2h51
